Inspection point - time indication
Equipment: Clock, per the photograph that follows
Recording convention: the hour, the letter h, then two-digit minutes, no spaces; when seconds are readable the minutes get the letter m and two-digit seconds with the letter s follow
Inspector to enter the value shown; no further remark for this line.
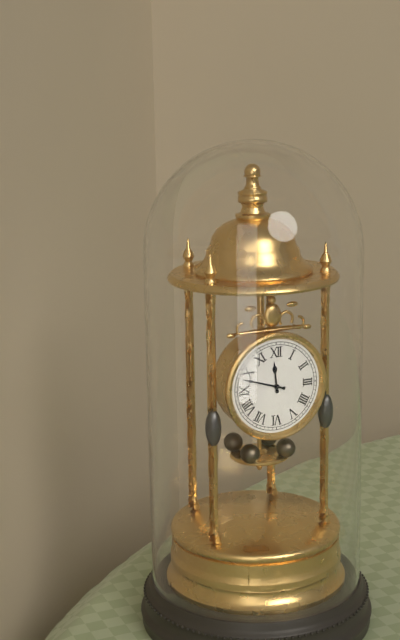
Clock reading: 11h48
